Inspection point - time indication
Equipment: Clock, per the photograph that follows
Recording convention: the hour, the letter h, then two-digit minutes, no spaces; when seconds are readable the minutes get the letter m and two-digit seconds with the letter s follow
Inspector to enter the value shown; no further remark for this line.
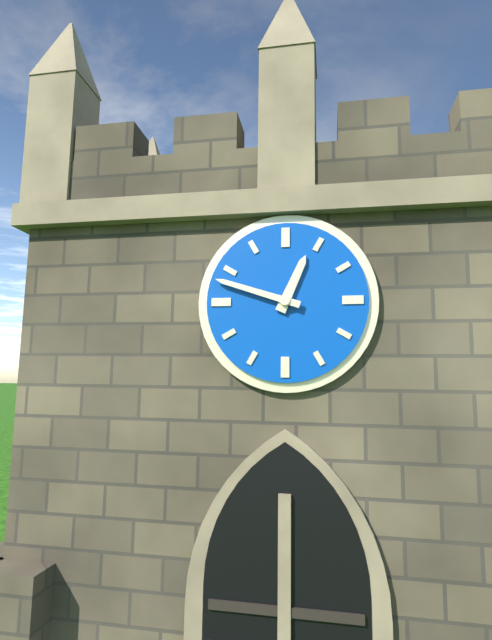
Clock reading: 12h48
